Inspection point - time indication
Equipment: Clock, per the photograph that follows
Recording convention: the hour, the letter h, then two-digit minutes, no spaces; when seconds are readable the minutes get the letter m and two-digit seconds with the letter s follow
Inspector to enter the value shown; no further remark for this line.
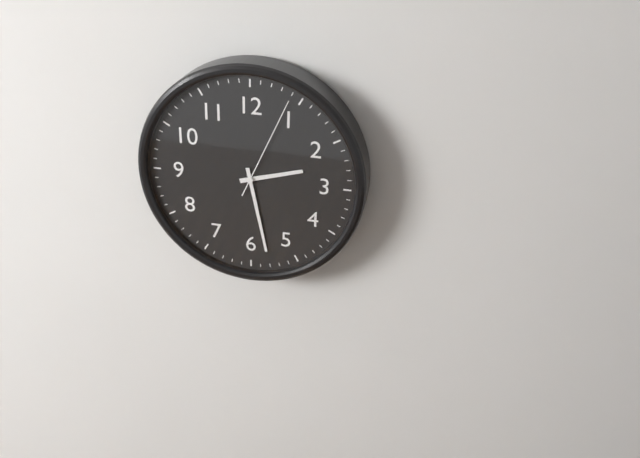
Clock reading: 2h28m04s
